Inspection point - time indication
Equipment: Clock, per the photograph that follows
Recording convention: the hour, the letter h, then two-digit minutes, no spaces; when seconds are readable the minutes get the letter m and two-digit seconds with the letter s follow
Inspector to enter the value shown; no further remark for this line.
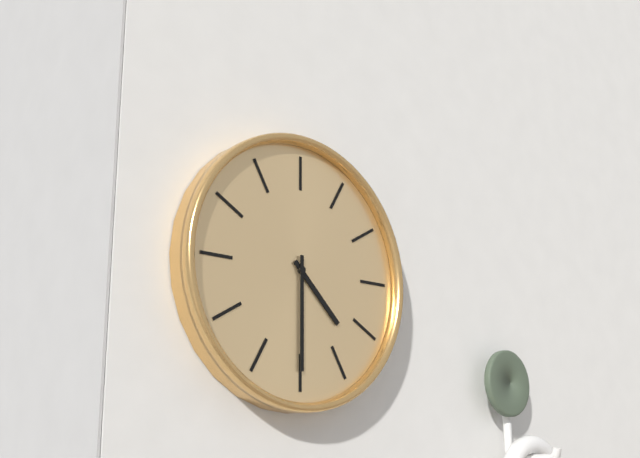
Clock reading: 4h30
